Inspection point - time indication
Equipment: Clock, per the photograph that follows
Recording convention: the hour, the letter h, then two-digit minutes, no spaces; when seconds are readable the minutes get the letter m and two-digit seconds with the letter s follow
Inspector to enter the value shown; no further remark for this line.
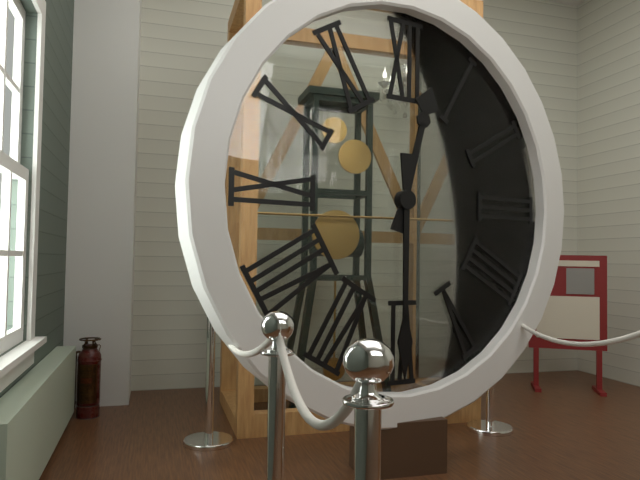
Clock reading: 12h30
